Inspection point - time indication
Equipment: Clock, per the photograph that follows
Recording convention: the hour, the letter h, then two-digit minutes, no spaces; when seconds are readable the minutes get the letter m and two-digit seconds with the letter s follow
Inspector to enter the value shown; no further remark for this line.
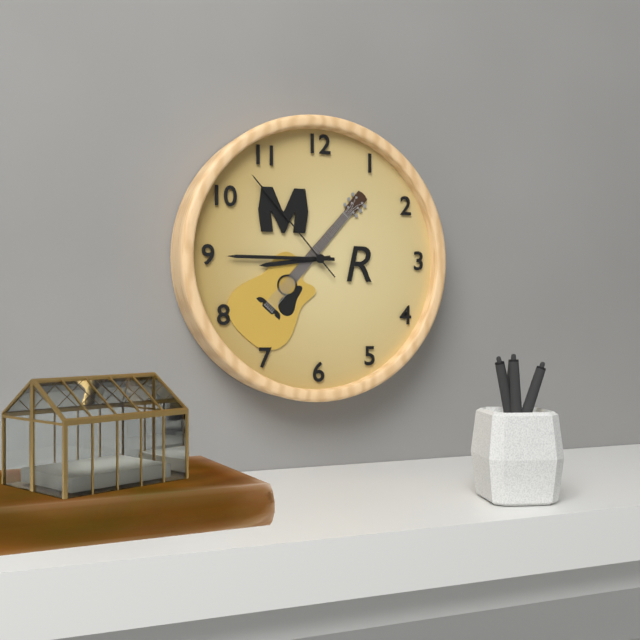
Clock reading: 8h45m53s
